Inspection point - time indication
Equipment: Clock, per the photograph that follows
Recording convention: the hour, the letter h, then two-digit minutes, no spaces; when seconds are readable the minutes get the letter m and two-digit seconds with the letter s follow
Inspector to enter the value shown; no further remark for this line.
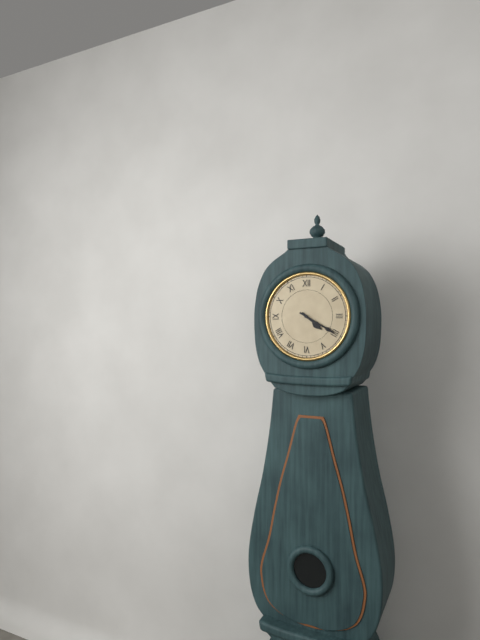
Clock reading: 4h20
